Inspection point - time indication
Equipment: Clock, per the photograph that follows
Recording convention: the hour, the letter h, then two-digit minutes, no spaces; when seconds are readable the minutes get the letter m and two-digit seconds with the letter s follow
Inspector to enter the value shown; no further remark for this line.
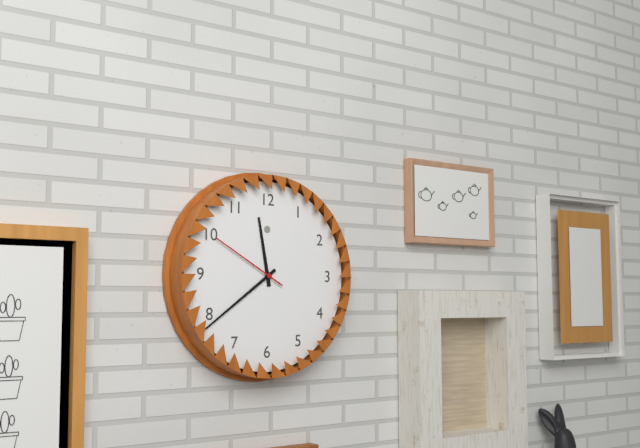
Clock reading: 11h39m50s
